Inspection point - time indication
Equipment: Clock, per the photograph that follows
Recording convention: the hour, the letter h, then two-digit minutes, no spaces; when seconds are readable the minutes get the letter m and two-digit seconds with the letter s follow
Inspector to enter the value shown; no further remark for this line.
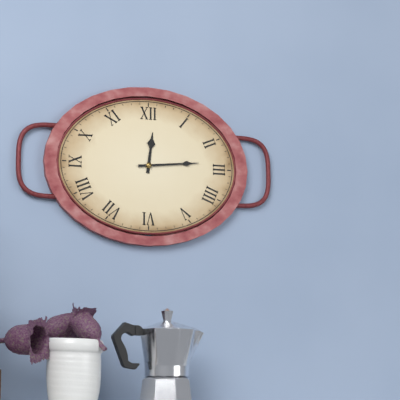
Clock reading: 12h14
